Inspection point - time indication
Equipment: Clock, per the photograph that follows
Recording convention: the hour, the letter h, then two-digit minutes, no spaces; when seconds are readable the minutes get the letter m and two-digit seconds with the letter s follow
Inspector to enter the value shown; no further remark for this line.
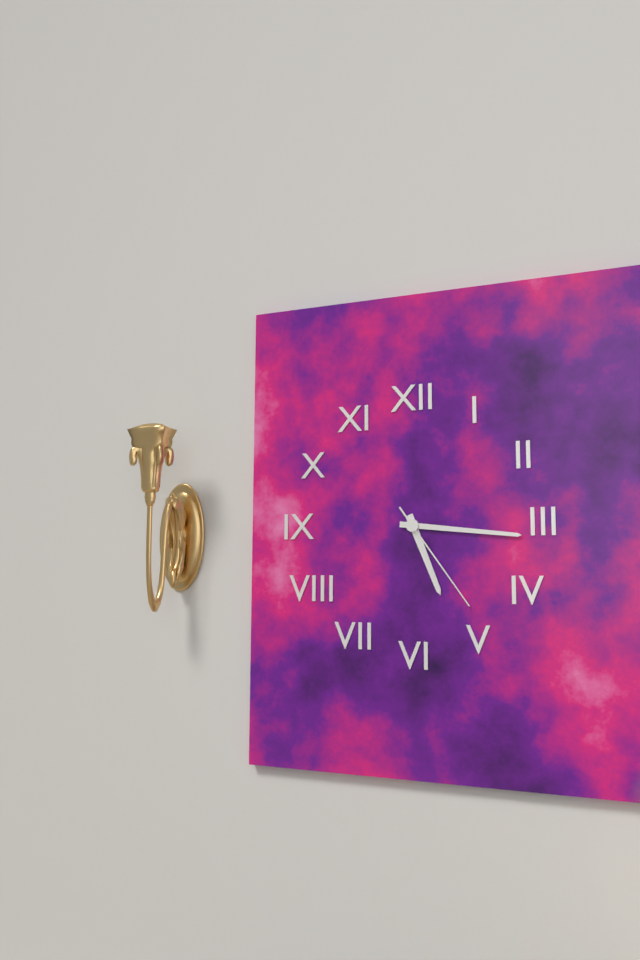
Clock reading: 5h16m24s
